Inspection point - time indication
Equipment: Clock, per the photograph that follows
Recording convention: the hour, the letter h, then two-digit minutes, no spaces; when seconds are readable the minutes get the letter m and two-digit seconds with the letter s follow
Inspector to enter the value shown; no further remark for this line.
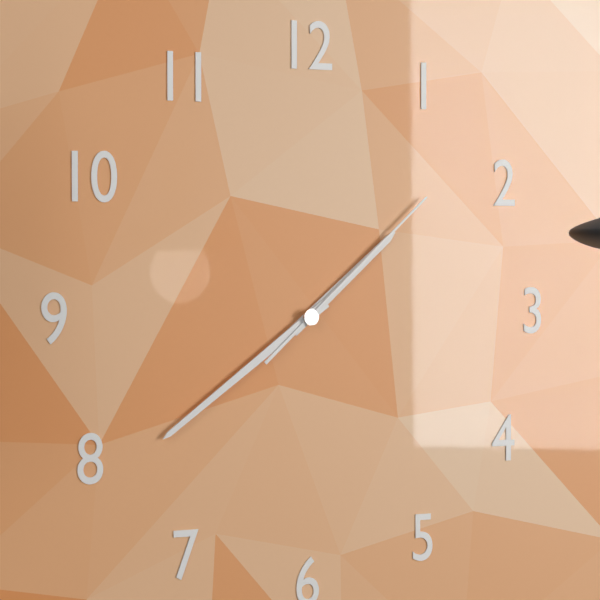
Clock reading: 1h39m08s
